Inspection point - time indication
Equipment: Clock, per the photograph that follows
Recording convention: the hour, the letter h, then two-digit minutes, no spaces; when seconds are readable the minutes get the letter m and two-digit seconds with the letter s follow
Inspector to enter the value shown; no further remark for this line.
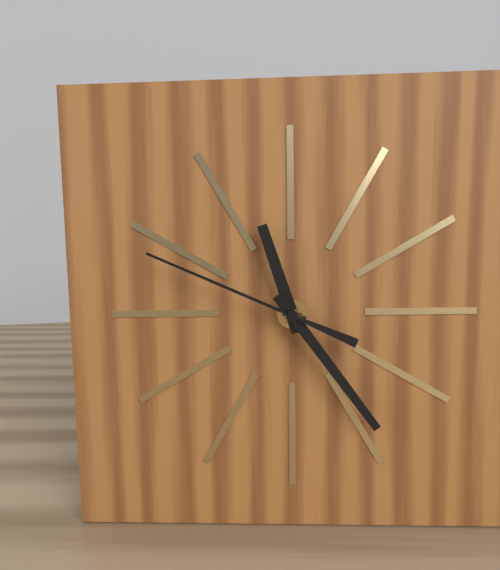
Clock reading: 11h24m49s
